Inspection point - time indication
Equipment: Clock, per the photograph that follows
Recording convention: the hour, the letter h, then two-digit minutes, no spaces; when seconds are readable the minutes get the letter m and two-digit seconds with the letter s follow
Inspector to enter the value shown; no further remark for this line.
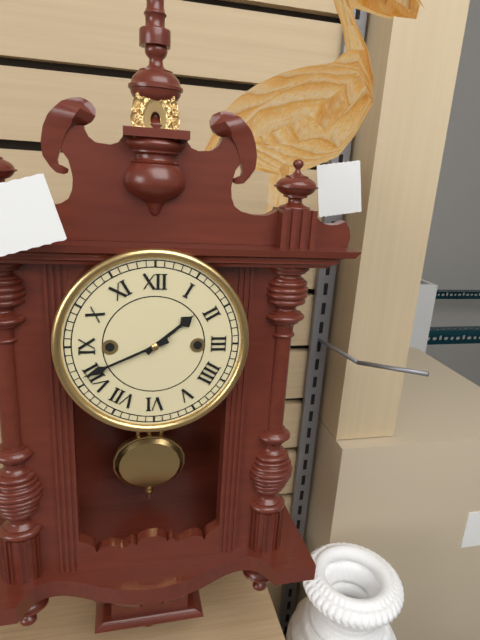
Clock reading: 1h41
